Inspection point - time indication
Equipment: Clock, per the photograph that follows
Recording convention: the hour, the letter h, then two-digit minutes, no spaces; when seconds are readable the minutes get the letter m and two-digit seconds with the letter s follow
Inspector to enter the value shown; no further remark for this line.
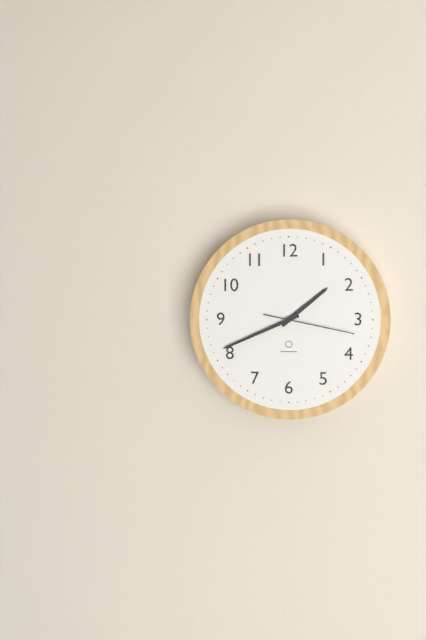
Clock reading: 1h41m17s
